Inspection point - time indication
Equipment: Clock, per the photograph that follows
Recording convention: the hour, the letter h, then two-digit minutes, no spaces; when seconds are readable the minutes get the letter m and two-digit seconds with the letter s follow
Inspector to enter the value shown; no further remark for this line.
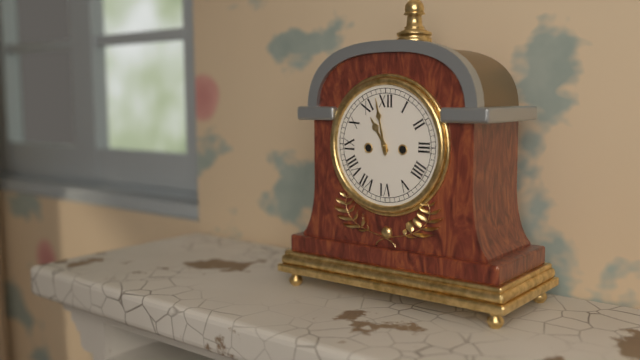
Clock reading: 10h58
